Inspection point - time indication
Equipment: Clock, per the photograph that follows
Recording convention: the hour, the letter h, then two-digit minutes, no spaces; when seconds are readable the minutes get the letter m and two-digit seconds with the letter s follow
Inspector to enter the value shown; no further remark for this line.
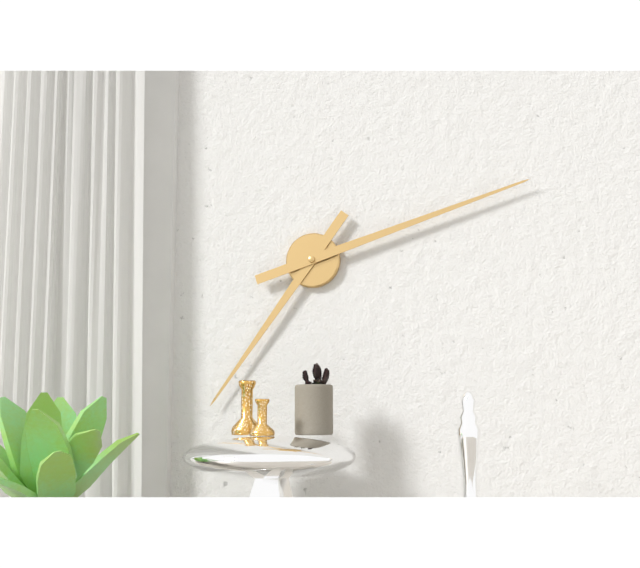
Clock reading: 7h12
